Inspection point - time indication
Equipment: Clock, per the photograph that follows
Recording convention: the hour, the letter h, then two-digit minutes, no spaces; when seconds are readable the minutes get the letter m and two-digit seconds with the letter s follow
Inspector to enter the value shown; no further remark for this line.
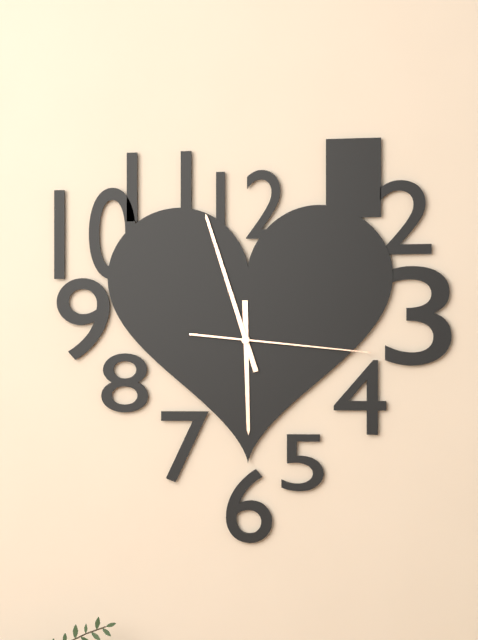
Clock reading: 5h57m16s
